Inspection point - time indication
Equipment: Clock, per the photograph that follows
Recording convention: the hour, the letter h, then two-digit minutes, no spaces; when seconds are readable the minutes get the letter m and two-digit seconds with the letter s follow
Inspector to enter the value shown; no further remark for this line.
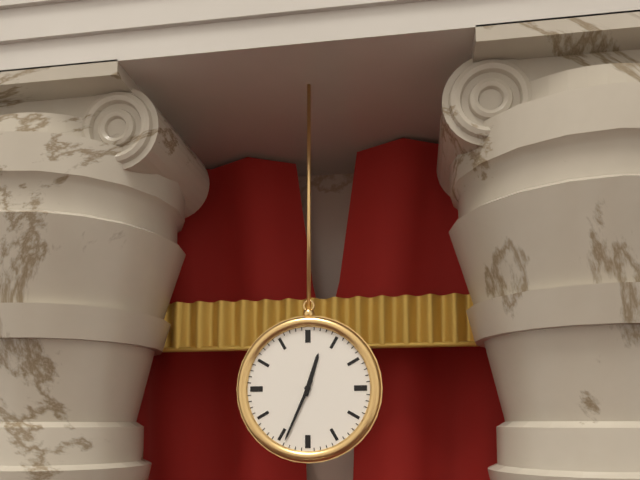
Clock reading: 12h34
